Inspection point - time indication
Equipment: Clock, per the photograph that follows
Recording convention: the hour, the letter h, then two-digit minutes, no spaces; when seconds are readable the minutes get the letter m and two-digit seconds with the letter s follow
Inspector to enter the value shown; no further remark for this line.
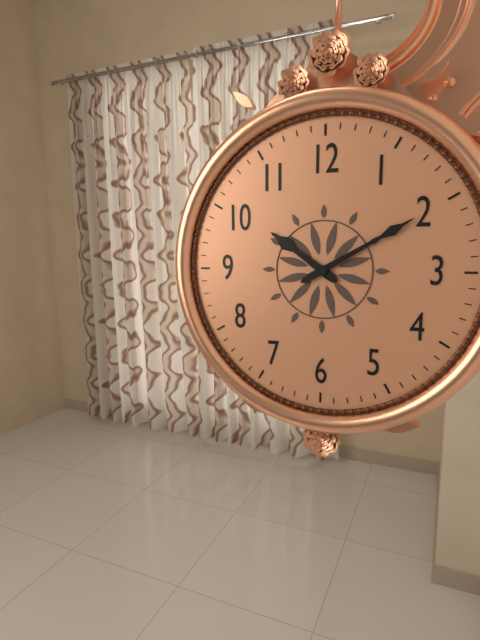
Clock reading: 10h10
